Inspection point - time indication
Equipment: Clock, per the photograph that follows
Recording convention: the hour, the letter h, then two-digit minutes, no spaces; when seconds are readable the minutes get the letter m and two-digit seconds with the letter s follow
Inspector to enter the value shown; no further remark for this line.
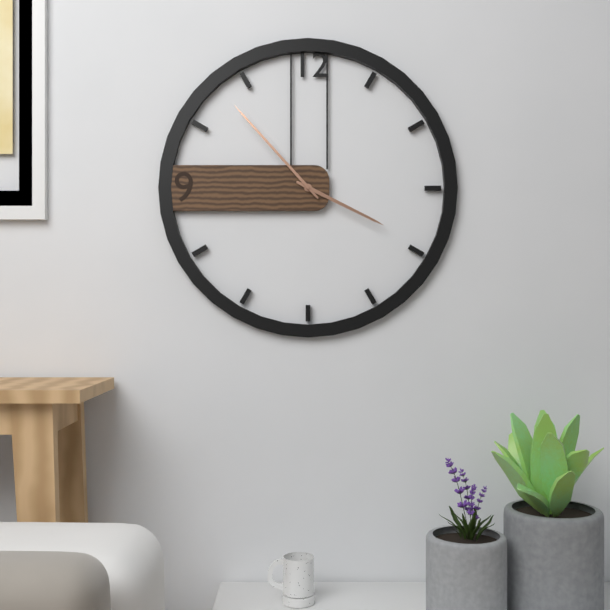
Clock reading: 3h53
